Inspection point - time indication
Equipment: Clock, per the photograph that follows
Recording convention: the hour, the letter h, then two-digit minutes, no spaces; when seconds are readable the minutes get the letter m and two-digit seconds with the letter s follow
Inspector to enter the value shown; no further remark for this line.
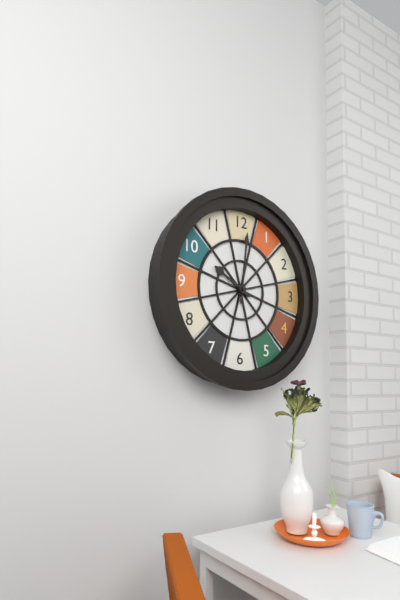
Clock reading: 10h01
